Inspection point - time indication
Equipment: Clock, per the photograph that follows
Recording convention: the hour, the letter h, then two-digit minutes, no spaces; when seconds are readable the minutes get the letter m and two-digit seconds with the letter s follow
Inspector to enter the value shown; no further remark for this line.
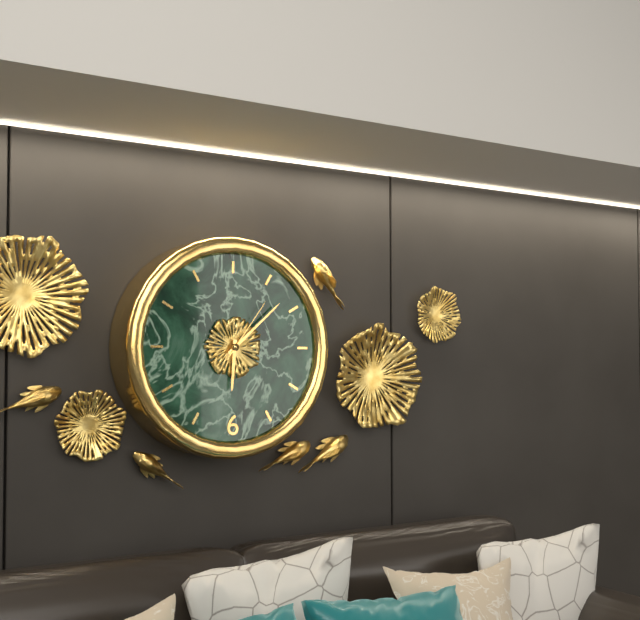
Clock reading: 6h08m06s
